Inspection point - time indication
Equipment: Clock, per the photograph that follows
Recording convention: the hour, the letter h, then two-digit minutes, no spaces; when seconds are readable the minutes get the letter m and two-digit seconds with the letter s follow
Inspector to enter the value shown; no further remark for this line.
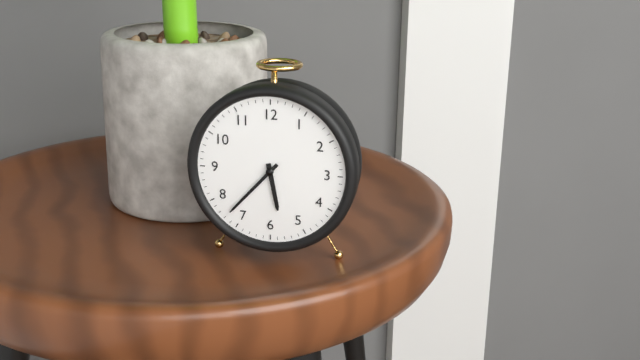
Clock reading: 5h37
